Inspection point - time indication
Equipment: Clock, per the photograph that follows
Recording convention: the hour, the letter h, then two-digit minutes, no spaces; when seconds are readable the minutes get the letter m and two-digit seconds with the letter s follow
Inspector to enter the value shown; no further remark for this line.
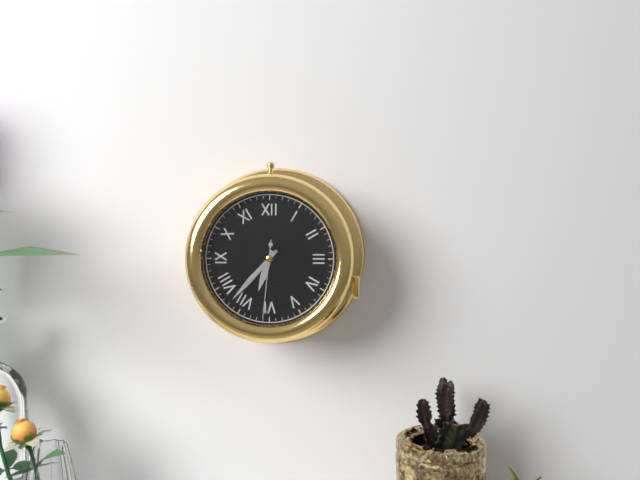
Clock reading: 6h37m31s
